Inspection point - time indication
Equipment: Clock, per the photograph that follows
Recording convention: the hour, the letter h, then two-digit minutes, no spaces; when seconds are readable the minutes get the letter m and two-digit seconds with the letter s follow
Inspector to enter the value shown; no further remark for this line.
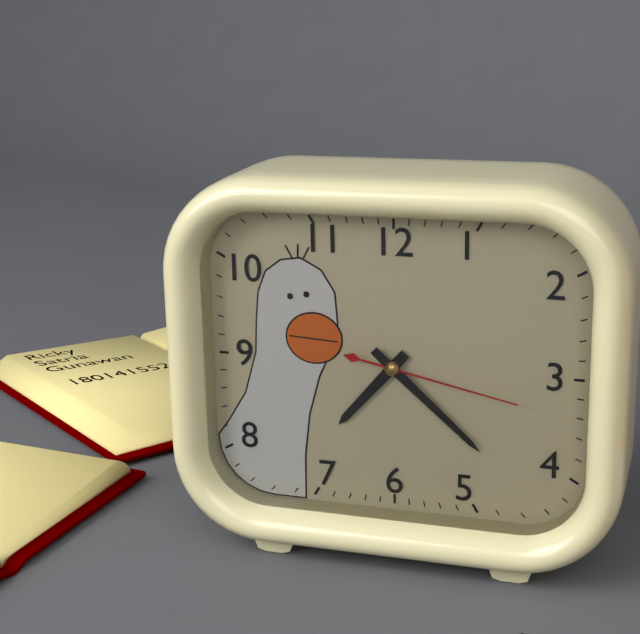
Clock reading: 7h22m17s
